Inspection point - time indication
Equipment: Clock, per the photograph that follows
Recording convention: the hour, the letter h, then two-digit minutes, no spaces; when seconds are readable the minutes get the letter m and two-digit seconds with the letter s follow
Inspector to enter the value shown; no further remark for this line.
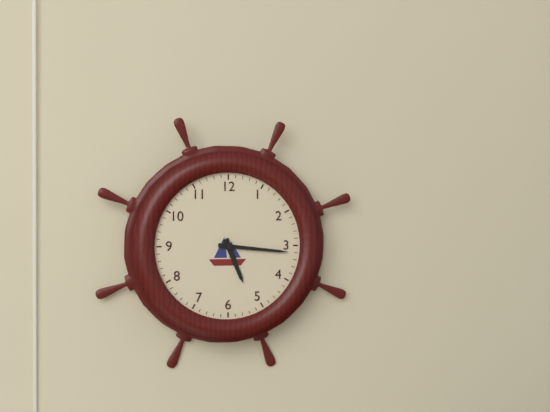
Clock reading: 5h16
